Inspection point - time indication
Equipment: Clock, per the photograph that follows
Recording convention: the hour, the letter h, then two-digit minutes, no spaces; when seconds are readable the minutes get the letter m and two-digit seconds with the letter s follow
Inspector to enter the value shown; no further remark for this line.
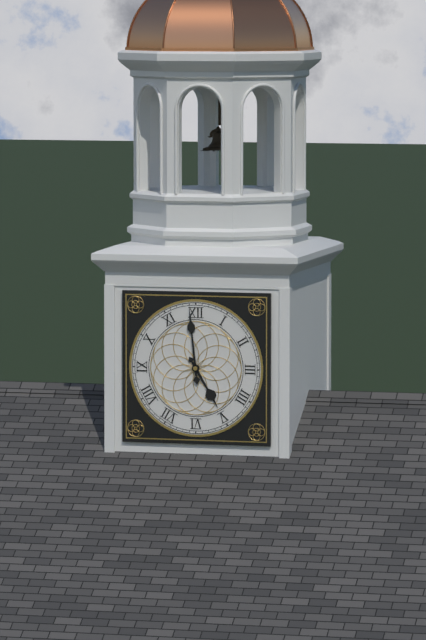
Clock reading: 4h59
